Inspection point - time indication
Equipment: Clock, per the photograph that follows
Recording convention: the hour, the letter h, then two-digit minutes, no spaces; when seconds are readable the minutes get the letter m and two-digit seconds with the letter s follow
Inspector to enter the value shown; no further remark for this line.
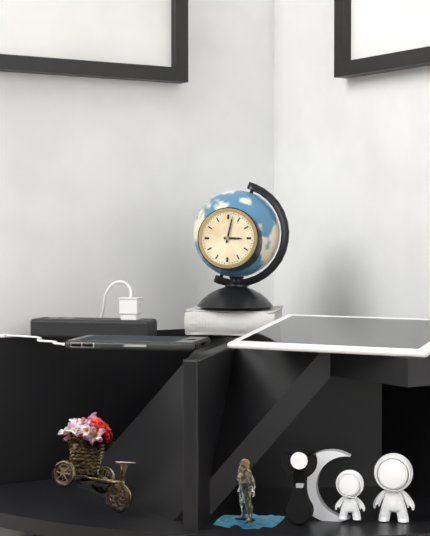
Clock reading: 3h02
